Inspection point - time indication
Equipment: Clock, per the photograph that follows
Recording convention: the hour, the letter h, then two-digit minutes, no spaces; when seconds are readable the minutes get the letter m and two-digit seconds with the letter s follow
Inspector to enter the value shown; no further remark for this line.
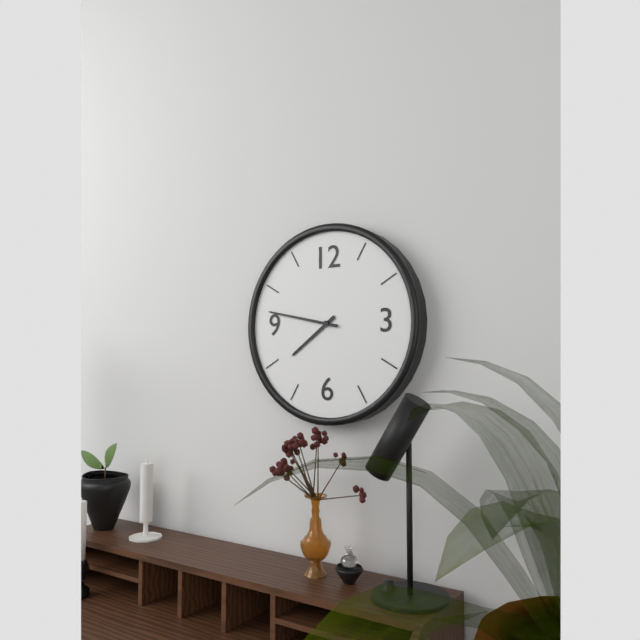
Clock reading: 7h47
